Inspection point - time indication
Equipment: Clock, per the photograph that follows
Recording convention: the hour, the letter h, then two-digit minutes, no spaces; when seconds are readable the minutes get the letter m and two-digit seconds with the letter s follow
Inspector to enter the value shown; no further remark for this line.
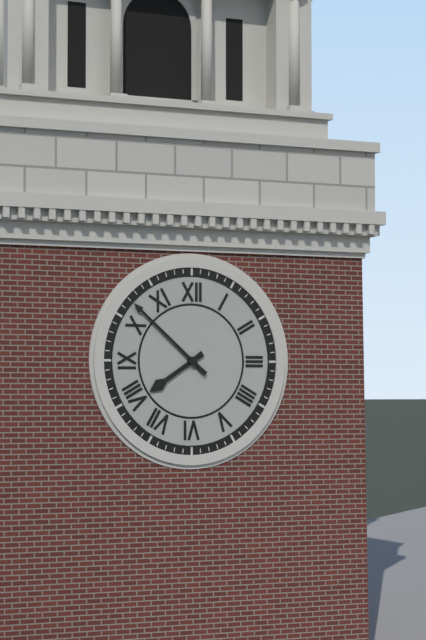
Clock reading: 7h52
